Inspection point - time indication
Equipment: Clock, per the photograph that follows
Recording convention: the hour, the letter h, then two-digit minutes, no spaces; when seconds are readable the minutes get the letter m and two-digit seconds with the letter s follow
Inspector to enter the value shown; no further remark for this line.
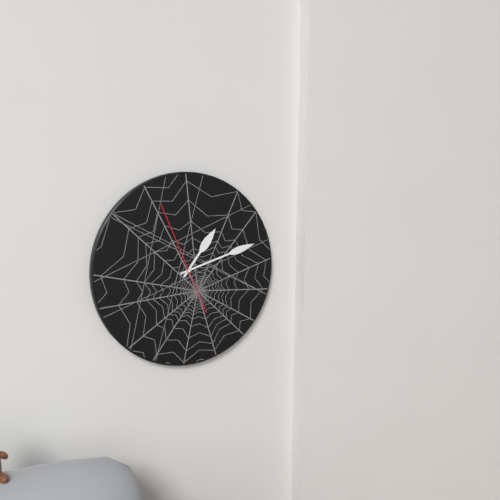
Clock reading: 1h12m56s
